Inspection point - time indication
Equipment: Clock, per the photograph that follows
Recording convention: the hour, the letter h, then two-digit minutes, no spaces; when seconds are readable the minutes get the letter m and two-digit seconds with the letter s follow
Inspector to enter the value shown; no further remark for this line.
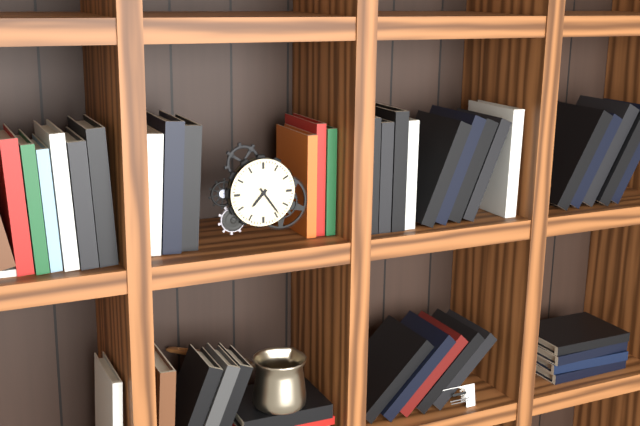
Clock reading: 7h24
